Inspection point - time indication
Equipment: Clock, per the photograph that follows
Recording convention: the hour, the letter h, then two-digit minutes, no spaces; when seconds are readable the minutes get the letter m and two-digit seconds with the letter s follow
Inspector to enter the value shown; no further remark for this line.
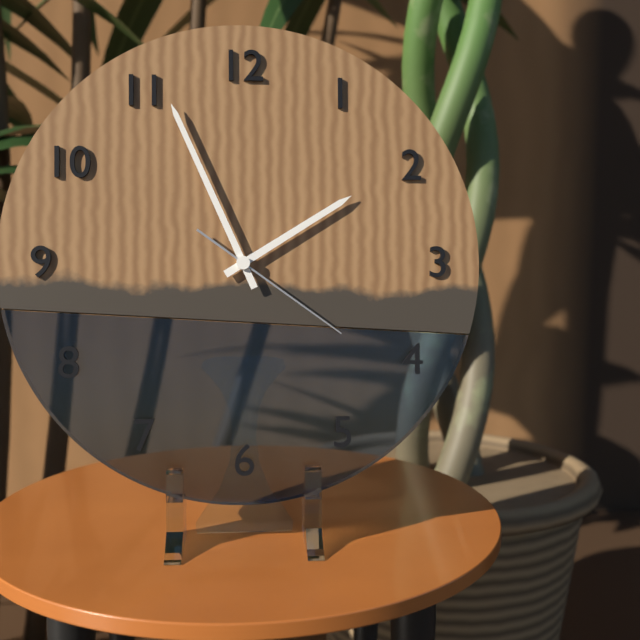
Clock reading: 1h56m21s
